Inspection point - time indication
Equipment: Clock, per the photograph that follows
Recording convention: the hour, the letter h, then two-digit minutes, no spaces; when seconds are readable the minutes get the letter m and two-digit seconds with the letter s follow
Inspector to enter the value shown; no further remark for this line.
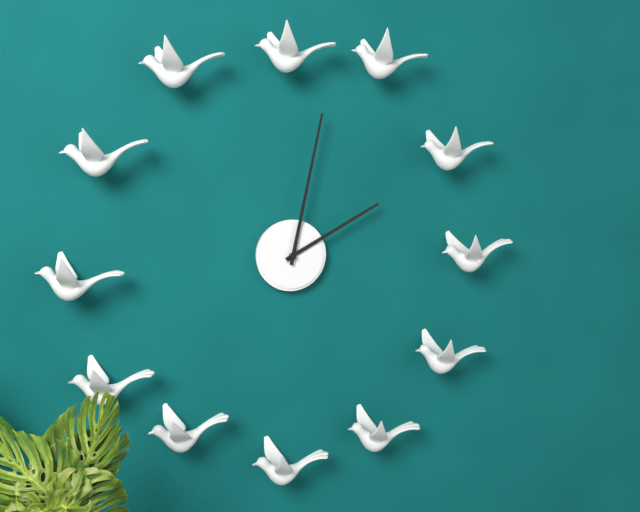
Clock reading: 2h02
